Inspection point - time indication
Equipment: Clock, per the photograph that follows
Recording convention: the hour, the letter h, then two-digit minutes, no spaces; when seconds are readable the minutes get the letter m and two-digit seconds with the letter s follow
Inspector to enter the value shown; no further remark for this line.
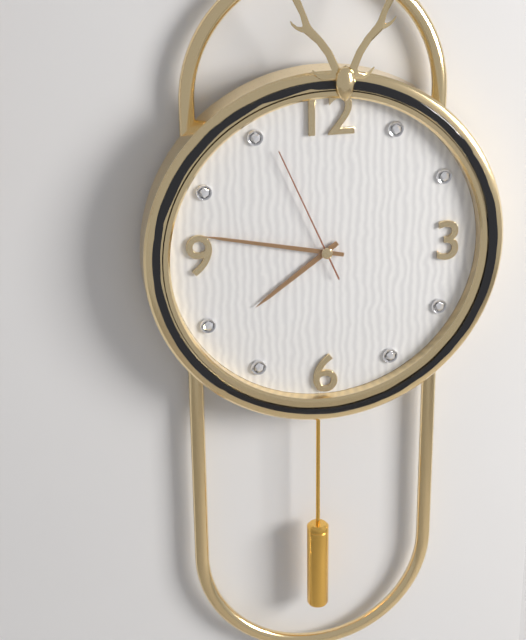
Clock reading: 7h47m56s
